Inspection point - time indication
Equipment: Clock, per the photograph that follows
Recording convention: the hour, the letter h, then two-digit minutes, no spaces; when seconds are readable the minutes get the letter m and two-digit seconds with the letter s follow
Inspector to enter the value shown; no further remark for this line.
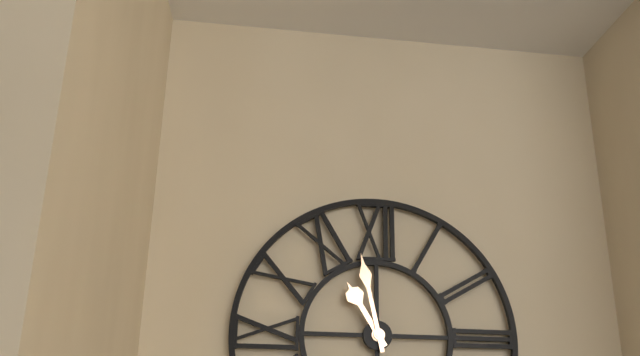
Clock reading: 10h58
